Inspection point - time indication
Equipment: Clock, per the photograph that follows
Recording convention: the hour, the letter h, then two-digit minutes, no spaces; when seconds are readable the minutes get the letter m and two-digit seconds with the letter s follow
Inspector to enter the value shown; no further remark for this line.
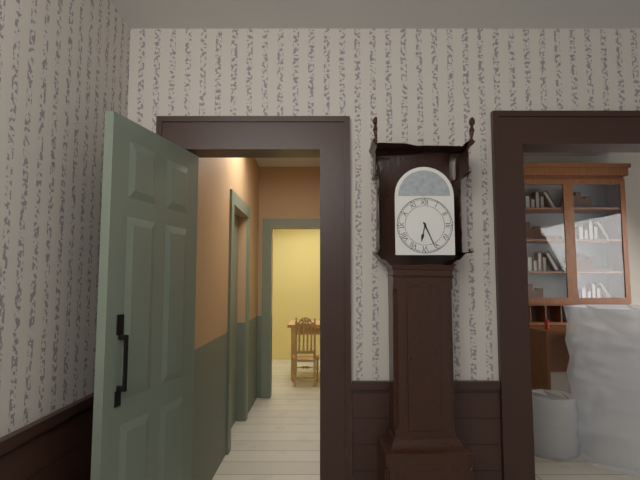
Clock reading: 6h26
